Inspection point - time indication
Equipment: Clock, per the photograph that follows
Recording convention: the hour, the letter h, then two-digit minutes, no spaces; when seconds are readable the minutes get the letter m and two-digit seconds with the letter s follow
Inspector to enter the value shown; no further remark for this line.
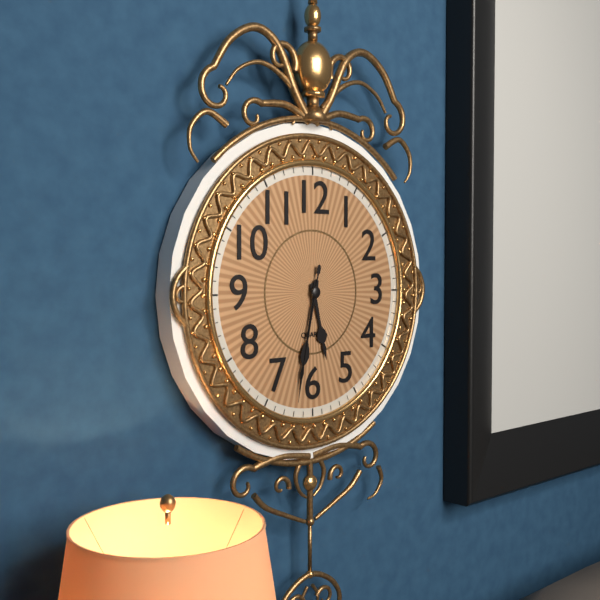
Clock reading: 5h32m32s
